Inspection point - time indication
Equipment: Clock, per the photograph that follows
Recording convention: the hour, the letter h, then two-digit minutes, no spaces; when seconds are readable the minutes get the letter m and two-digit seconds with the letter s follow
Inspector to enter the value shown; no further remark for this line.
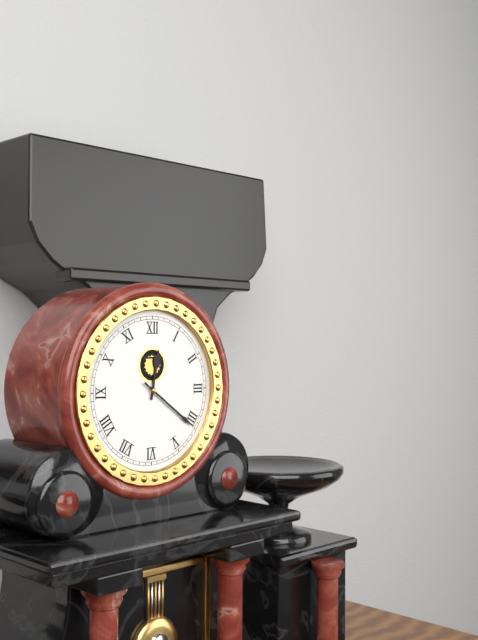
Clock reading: 12h21
